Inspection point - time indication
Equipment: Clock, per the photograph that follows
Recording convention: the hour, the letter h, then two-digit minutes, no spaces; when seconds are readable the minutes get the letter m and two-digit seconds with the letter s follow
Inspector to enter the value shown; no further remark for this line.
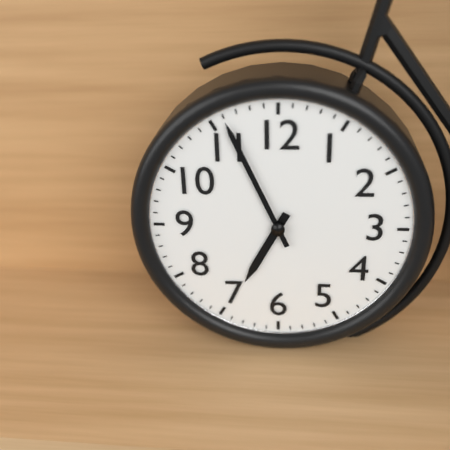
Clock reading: 6h56
